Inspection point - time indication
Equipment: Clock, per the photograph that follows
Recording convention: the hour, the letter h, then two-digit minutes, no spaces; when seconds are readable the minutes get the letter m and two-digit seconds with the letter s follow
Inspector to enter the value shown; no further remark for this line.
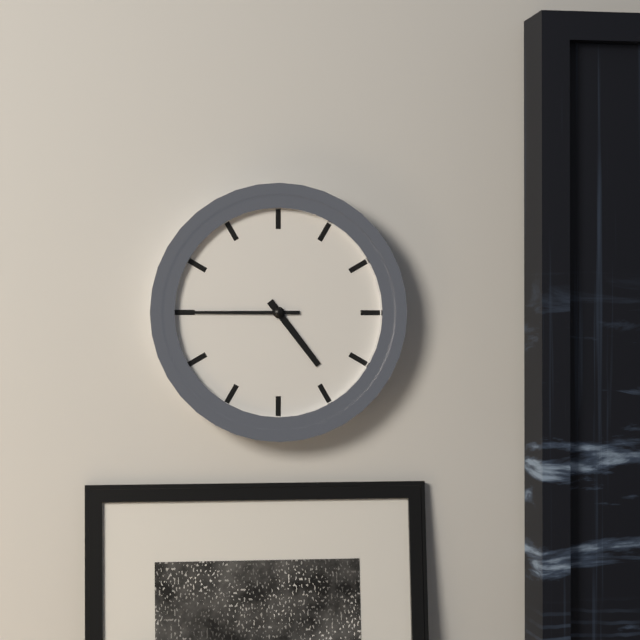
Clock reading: 4h45
